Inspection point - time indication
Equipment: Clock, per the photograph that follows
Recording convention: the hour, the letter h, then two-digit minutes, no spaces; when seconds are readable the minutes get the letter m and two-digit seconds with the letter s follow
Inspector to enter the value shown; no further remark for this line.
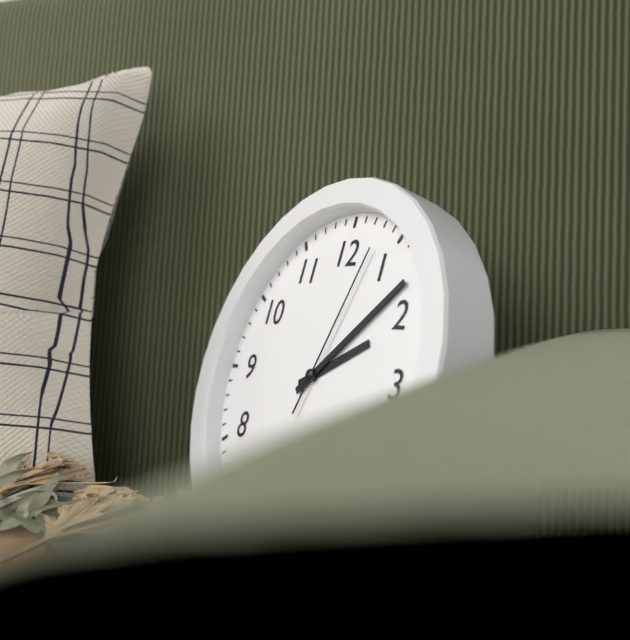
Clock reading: 2h08m03s
